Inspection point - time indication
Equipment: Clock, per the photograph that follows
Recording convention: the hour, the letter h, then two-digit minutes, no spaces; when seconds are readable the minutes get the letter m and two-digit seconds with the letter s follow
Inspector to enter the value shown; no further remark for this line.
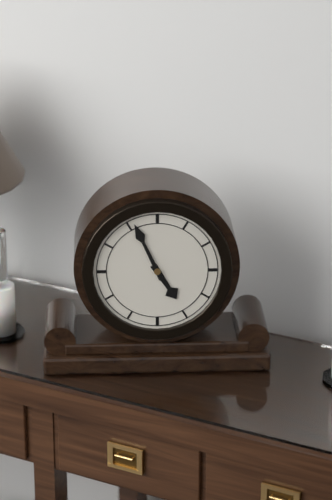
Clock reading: 4h56
